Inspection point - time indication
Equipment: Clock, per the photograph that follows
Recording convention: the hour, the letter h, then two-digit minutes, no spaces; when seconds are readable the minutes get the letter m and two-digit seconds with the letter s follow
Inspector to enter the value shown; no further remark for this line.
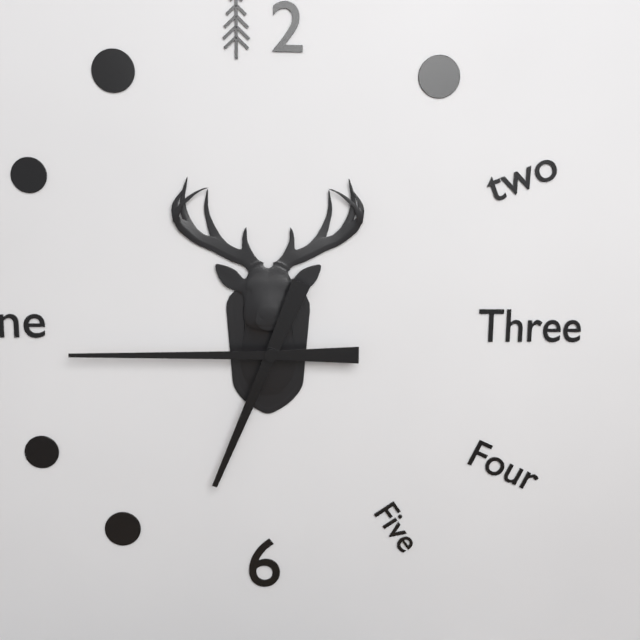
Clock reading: 6h45
